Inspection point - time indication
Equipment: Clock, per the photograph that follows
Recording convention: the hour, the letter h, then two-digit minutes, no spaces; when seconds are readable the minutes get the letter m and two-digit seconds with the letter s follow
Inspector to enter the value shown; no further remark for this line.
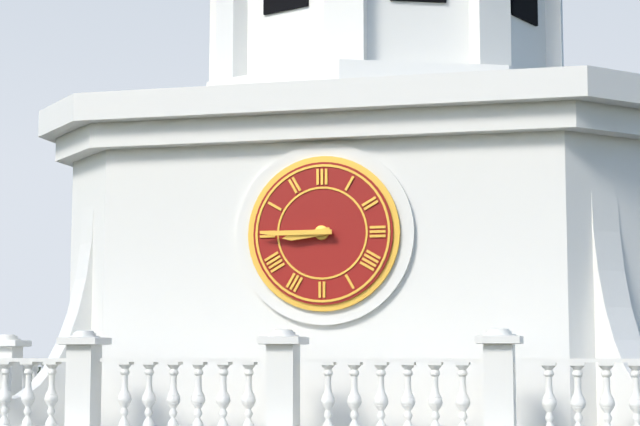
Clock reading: 8h45
